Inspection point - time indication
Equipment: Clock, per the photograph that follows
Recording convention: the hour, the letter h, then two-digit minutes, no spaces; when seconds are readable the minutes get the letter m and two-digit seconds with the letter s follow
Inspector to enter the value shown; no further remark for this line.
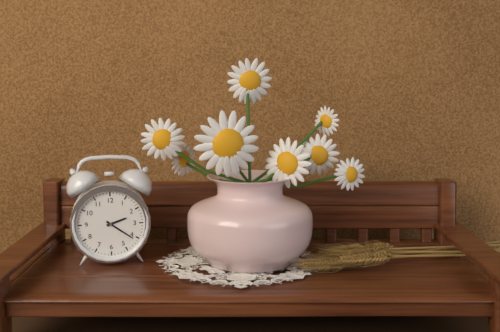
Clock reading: 2h21
